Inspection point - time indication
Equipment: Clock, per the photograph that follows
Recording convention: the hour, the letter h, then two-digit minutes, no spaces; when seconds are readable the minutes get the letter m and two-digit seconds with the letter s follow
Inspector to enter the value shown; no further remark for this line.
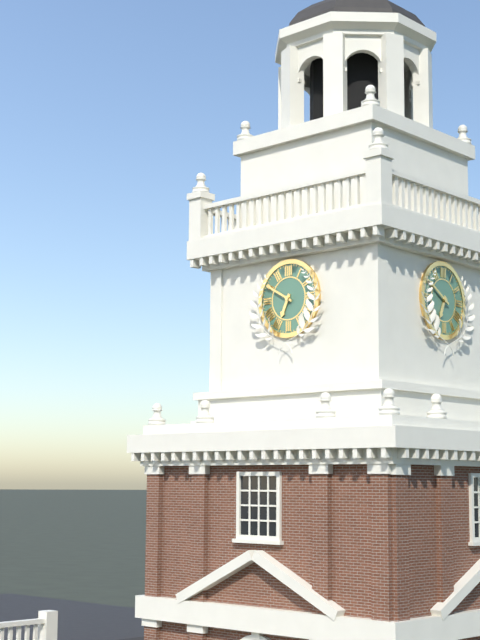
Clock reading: 6h50
